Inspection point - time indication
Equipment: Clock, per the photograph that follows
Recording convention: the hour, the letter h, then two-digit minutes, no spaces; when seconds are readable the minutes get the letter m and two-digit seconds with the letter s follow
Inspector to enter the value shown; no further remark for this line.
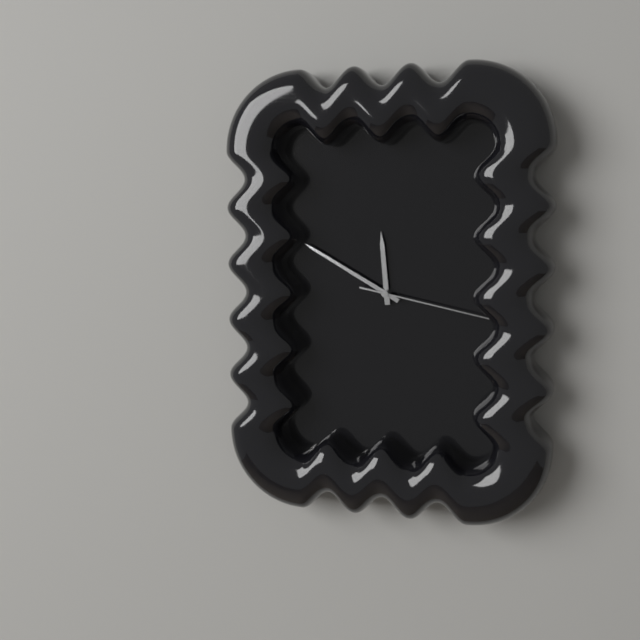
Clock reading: 11h50m17s
